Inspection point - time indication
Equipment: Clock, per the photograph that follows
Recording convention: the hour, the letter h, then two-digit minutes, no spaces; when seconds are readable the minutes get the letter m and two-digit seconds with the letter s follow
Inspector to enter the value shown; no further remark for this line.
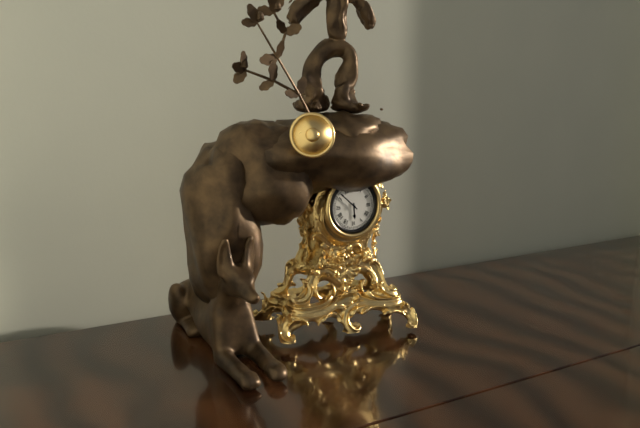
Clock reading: 5h52
